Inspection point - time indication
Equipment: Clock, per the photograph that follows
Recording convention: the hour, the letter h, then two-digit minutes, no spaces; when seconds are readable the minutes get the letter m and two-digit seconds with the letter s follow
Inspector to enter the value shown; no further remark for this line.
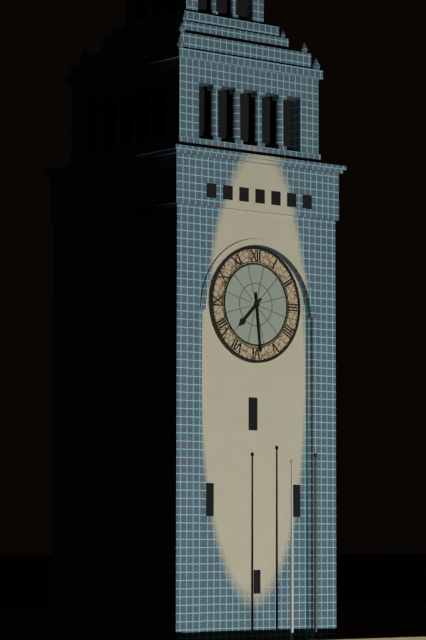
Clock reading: 7h29
